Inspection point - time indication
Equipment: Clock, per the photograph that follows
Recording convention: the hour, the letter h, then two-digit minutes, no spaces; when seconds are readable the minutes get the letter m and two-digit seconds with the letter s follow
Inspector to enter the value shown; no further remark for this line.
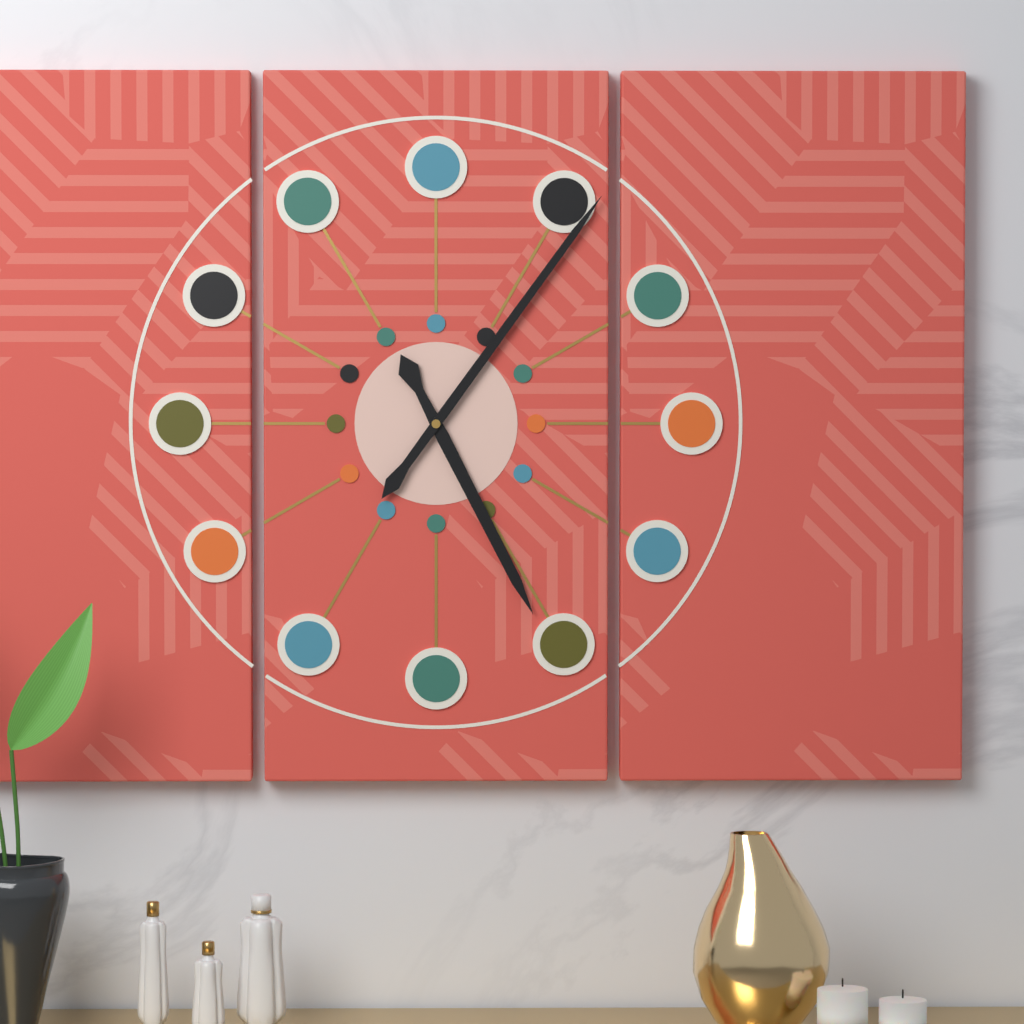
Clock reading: 5h06
